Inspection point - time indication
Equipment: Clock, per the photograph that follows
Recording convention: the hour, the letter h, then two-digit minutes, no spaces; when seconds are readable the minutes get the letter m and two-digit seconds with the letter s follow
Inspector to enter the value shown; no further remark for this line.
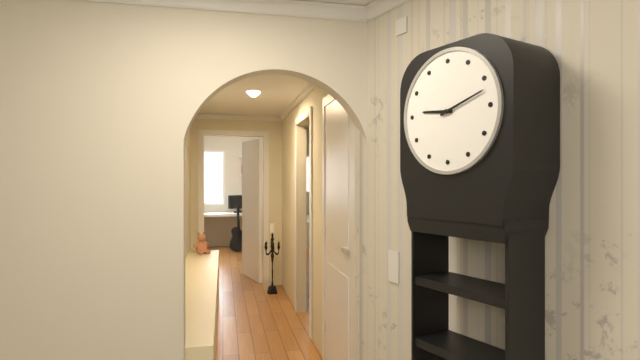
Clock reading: 9h12
